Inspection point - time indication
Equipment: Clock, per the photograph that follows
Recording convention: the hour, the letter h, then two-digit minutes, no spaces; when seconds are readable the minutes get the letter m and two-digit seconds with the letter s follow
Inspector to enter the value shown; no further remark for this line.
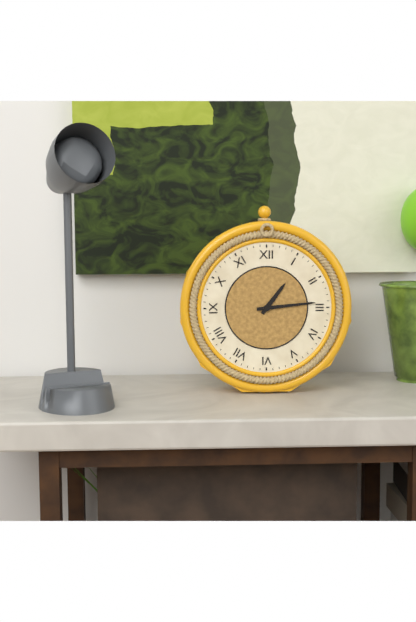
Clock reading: 1h14
